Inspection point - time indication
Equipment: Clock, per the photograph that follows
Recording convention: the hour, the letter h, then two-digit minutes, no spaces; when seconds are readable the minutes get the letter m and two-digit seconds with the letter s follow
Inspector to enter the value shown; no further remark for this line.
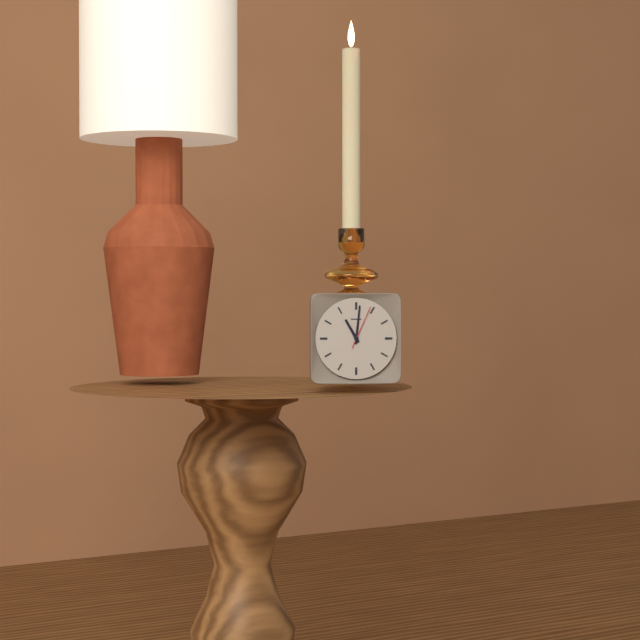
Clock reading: 11h01
